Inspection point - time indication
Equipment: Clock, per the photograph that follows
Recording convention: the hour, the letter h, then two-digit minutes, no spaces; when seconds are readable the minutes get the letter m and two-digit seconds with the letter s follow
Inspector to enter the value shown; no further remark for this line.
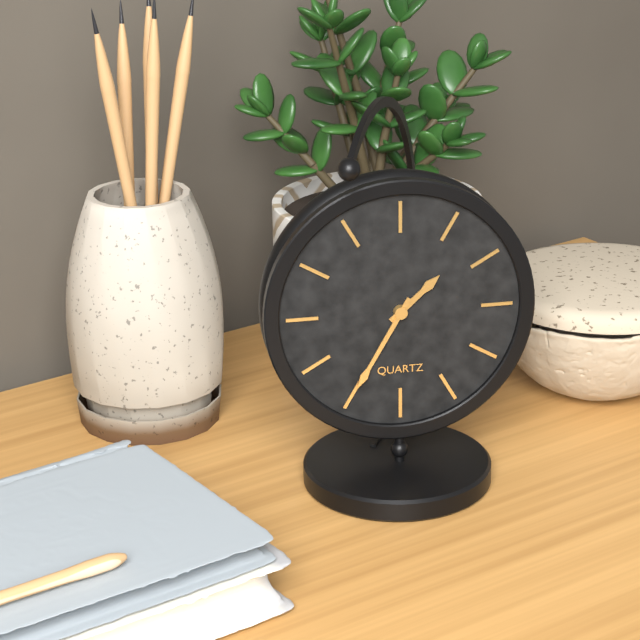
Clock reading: 1h35
